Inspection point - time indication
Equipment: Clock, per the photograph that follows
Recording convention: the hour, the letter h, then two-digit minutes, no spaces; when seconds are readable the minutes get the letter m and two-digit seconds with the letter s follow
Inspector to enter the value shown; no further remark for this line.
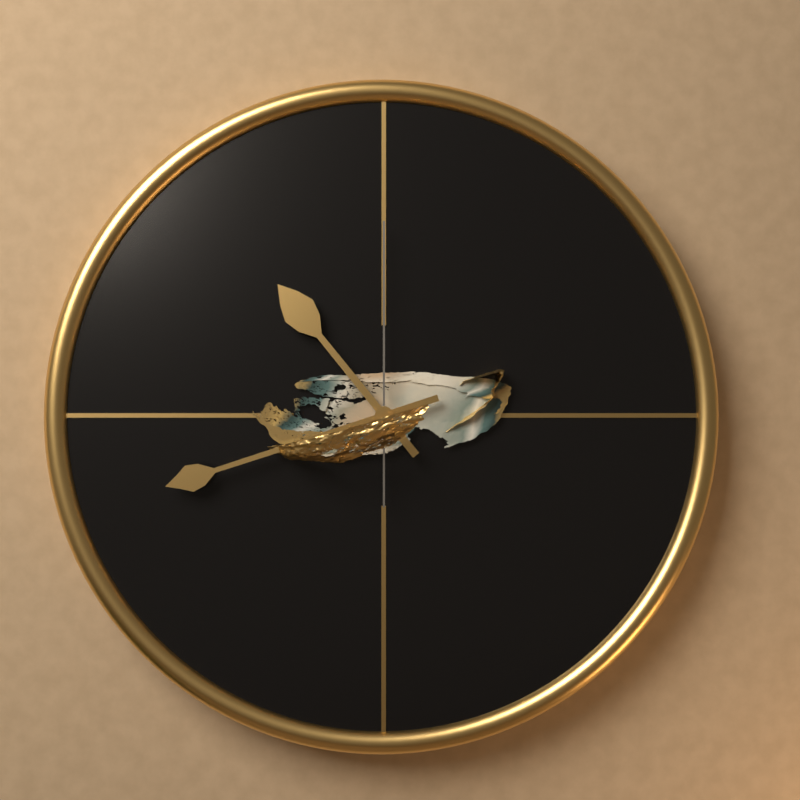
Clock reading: 10h42m00s
